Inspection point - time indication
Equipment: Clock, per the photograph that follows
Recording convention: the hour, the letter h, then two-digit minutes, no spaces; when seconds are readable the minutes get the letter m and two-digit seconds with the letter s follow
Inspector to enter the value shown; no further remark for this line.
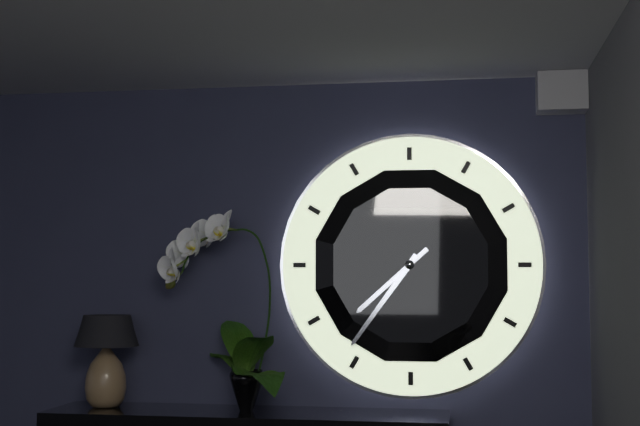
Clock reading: 7h36
